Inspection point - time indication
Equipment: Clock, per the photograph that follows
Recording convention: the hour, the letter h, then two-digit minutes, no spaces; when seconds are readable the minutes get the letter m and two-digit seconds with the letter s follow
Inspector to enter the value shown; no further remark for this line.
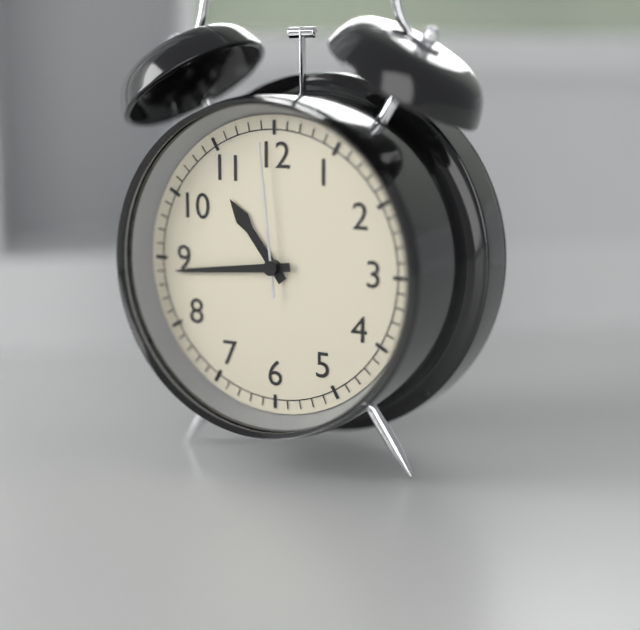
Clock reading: 10h44m59s
